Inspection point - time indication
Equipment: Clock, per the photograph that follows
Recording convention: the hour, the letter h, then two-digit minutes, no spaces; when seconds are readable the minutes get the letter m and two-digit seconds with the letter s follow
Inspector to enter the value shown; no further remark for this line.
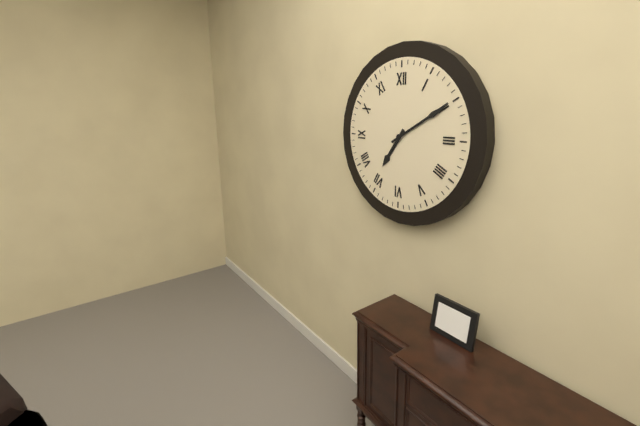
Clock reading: 7h10
